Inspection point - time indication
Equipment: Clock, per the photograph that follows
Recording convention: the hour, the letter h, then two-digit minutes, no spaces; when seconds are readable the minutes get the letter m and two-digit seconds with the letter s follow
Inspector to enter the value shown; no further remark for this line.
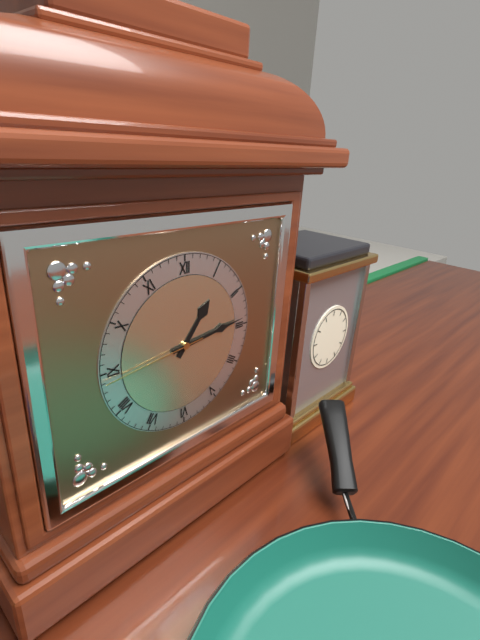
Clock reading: 1h14m44s
